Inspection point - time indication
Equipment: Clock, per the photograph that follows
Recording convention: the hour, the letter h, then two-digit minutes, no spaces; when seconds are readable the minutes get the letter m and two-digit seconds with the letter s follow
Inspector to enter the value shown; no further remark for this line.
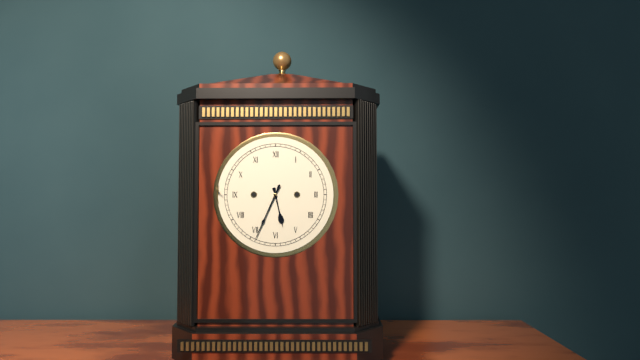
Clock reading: 5h34
